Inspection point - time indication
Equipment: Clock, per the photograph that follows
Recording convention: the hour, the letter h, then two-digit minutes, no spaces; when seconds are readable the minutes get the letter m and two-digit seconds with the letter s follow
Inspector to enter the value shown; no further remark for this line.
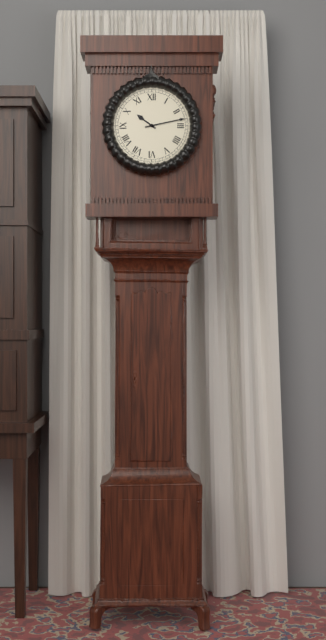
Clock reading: 10h13
